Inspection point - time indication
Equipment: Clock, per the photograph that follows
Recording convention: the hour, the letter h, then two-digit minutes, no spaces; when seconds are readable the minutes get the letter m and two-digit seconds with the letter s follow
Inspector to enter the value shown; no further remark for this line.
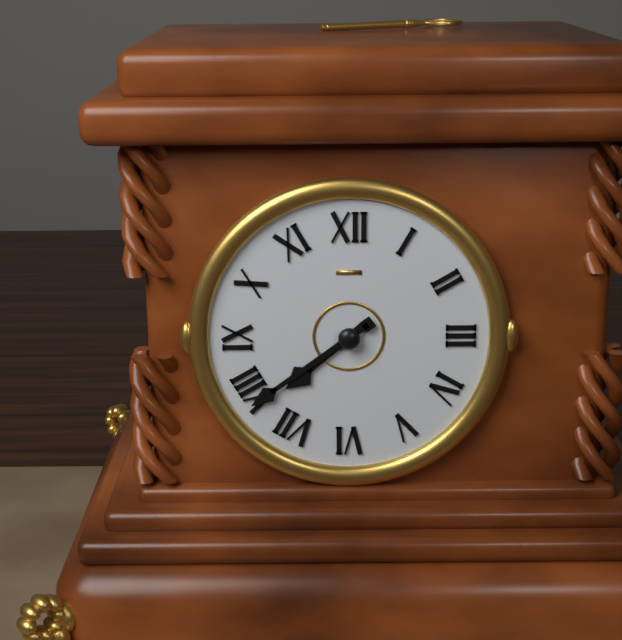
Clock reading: 7h39
